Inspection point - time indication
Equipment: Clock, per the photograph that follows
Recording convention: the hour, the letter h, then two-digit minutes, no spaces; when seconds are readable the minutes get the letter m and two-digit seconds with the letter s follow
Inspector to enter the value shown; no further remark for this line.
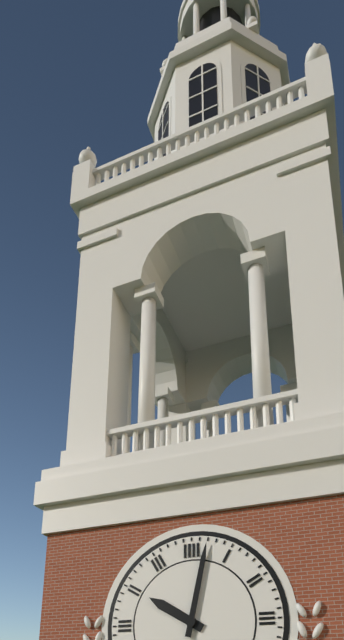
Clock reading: 10h02
